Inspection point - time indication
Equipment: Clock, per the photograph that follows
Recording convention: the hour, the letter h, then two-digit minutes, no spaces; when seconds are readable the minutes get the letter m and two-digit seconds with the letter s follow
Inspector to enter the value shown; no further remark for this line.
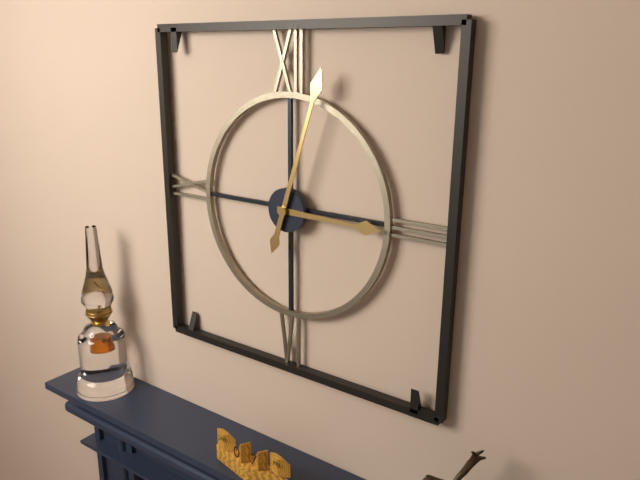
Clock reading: 3h03
